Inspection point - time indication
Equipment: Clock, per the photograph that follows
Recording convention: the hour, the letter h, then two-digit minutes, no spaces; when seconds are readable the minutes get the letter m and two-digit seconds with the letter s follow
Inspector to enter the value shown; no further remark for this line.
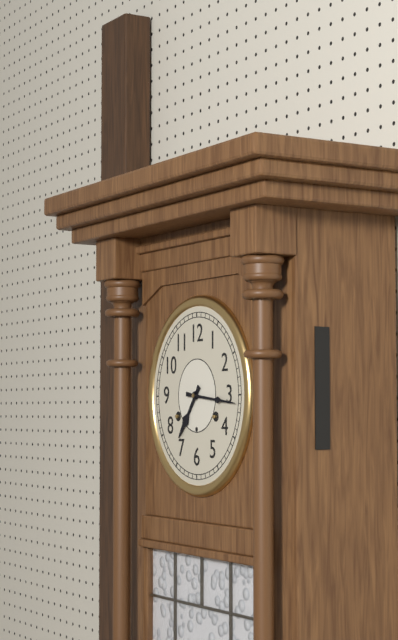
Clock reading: 7h16
